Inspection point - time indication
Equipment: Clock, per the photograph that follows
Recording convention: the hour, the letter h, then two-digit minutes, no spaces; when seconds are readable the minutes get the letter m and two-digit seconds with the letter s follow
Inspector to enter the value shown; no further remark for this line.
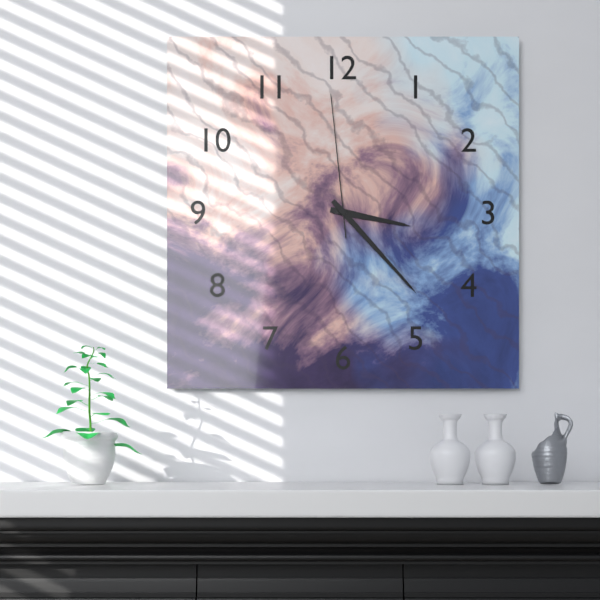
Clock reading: 3h23m59s
